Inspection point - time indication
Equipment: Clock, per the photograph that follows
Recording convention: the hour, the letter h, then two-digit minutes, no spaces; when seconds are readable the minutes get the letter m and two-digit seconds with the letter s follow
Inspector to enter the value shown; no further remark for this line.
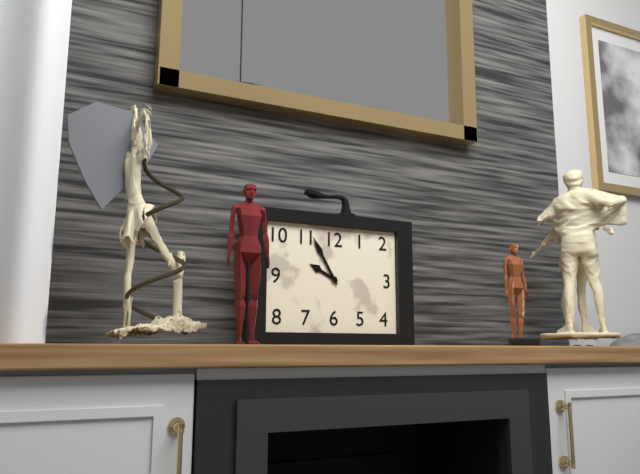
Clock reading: 9h55
